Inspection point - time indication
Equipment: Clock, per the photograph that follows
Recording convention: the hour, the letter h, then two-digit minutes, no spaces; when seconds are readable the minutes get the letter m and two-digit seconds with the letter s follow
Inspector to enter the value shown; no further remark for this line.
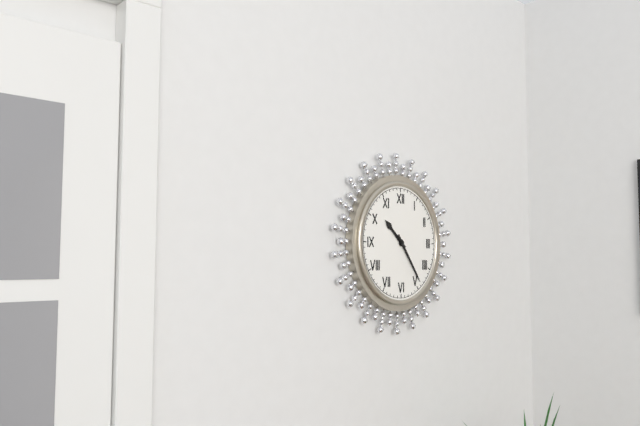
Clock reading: 10h24
